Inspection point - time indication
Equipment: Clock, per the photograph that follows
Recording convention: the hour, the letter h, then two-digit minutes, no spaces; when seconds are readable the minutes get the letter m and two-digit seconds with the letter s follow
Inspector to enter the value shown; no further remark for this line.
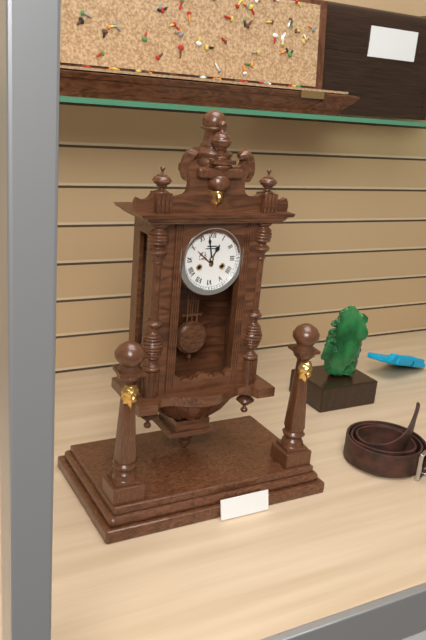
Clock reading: 12h58
